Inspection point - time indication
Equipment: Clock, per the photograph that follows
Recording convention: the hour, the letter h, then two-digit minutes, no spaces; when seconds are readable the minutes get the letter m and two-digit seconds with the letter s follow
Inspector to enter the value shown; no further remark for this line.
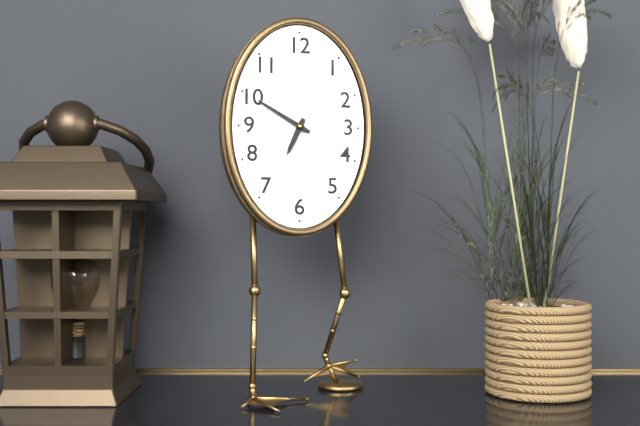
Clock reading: 6h50
